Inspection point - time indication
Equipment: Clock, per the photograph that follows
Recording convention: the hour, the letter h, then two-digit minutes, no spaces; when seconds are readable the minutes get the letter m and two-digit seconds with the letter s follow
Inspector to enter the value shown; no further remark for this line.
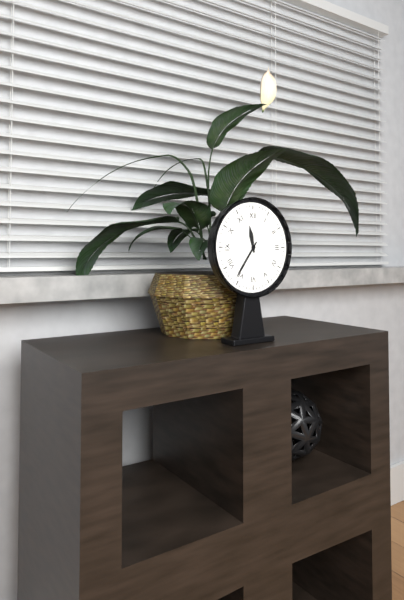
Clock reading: 11h36
